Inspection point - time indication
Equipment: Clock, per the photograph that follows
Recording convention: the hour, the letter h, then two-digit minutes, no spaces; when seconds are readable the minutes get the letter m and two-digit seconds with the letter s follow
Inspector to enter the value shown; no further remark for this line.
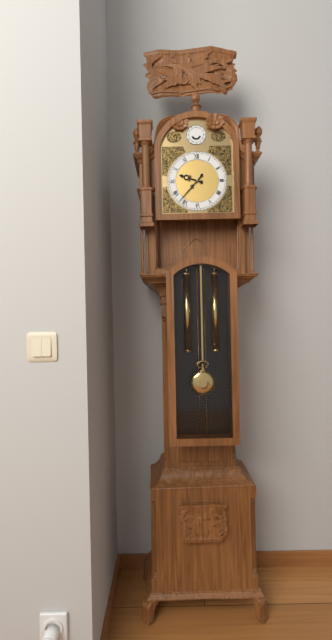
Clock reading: 9h37
